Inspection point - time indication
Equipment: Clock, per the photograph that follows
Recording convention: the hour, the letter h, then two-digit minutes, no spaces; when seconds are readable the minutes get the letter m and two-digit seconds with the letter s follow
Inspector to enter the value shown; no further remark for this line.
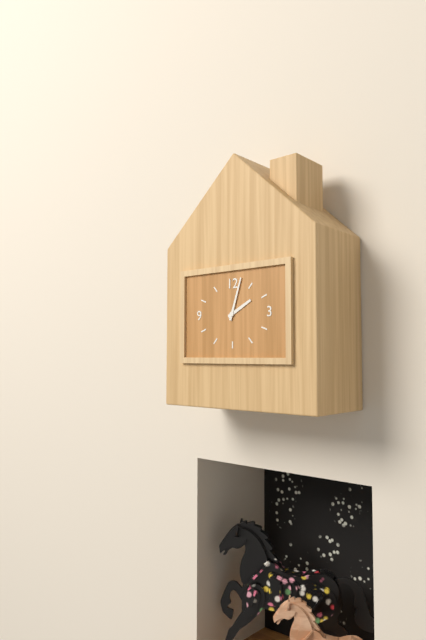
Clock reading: 2h03
